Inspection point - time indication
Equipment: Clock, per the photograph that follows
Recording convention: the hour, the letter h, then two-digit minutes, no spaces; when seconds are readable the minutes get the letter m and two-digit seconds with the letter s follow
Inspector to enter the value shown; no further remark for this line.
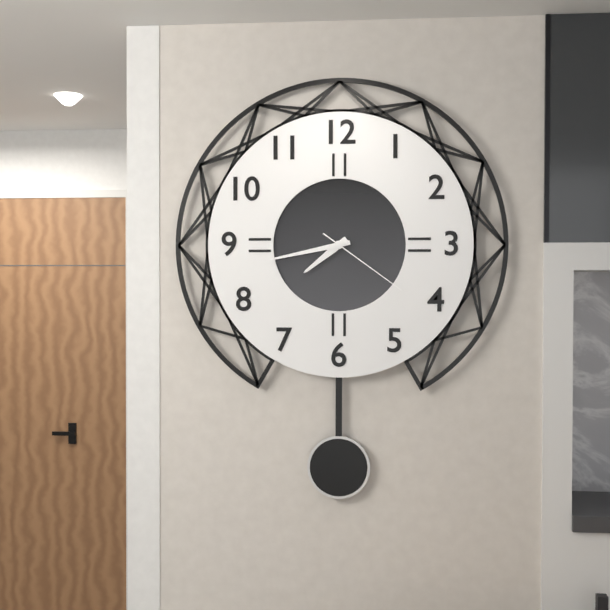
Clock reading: 7h43m21s
